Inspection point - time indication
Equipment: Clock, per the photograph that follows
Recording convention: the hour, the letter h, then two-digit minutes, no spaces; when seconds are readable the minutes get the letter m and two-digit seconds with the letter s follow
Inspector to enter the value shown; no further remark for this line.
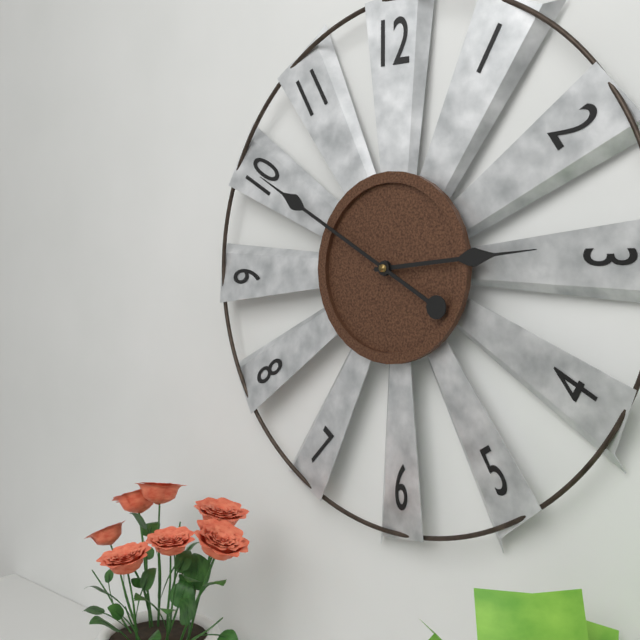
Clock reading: 2h50
